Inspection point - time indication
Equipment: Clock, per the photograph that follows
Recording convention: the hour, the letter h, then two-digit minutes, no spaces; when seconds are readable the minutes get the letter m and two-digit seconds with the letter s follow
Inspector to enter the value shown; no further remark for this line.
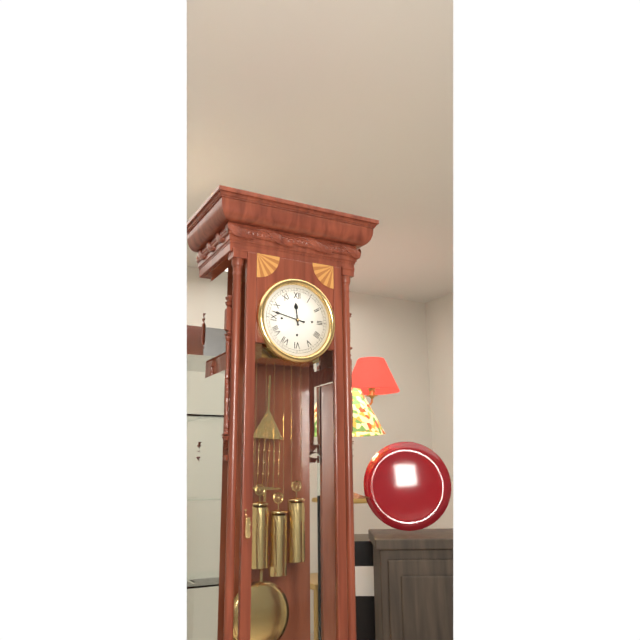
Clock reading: 11h47
